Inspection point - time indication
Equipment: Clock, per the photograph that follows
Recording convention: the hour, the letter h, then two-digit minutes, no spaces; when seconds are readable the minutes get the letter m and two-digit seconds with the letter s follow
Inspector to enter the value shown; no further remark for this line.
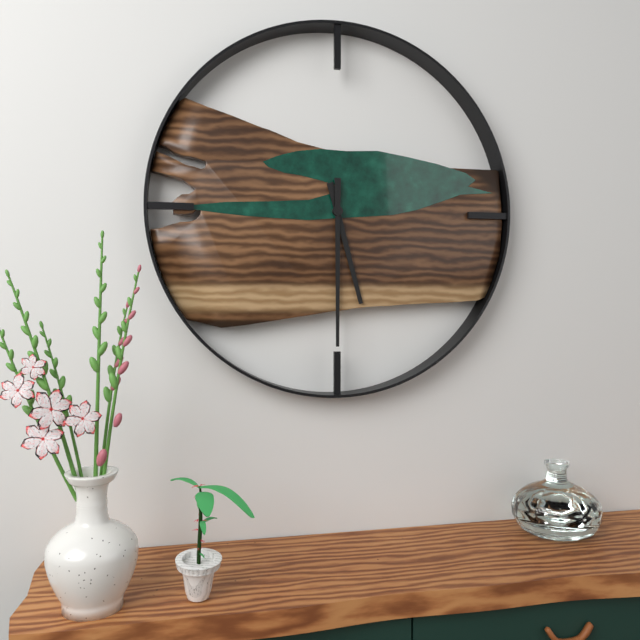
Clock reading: 5h30
